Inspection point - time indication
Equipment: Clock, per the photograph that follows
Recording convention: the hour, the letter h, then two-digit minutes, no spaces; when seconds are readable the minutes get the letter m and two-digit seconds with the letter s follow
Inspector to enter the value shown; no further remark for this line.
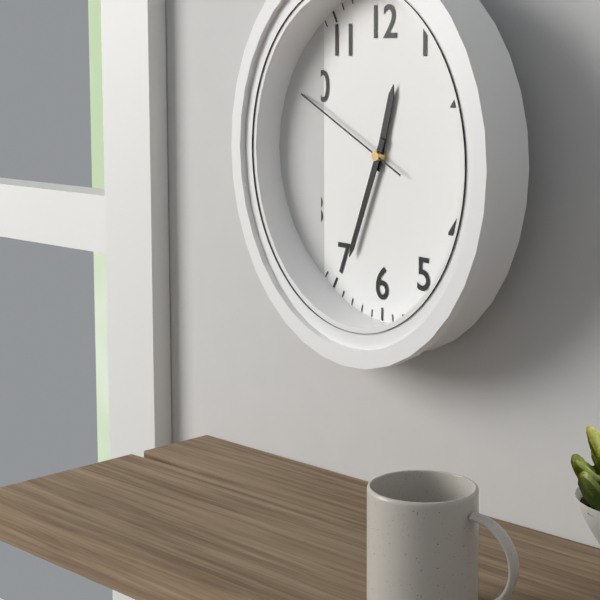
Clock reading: 12h34m49s
